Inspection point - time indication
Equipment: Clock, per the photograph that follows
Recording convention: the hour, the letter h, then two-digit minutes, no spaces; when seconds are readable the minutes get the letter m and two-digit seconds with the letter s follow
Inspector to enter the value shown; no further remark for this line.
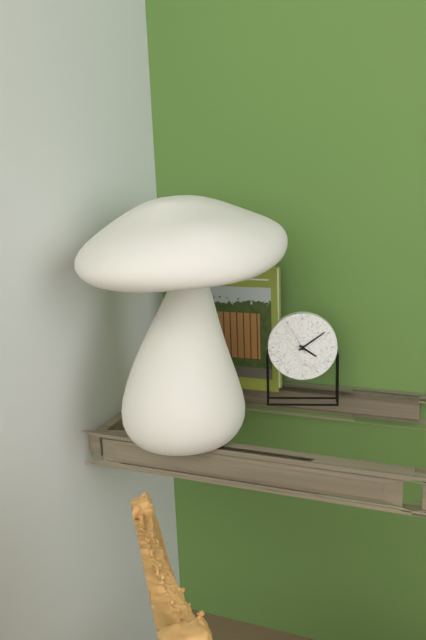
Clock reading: 4h09
